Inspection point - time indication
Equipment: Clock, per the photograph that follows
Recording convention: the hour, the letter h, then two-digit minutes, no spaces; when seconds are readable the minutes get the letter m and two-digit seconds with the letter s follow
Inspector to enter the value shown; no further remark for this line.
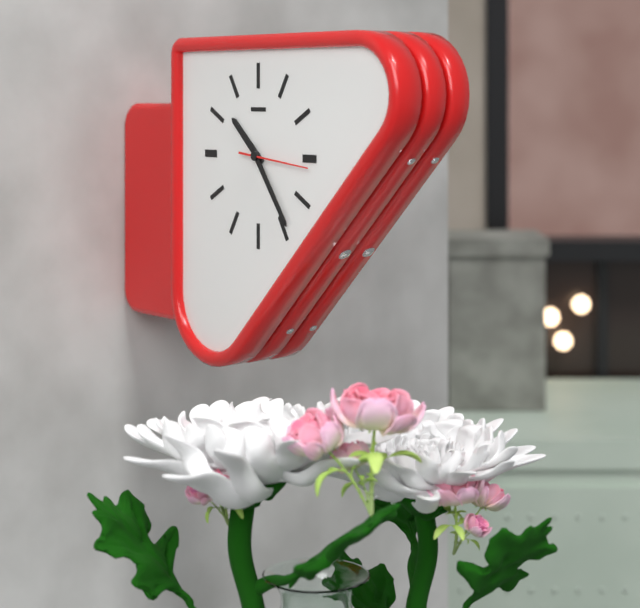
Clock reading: 10h24m16s
